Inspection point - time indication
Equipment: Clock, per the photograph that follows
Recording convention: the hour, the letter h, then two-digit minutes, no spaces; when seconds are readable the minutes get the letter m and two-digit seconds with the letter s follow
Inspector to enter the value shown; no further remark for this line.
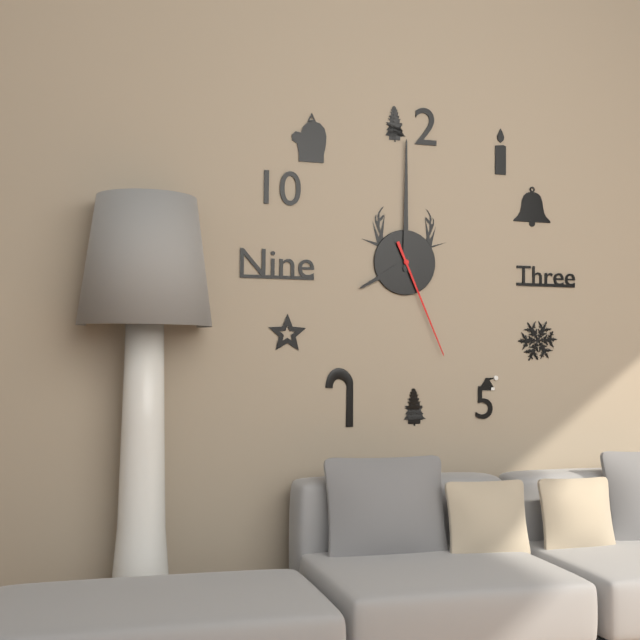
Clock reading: 8h00m26s
